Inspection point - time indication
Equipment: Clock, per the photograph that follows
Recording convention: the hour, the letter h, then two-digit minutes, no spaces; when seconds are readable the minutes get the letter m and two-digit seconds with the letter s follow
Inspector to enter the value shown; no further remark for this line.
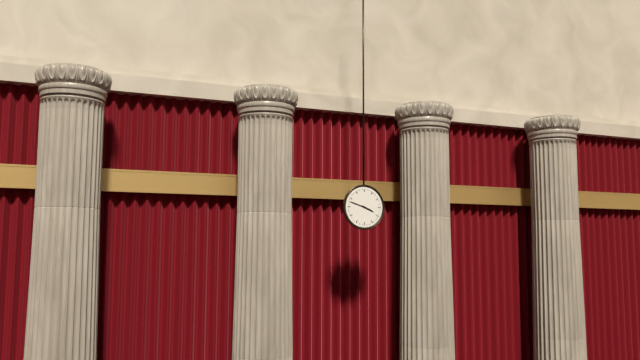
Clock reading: 3h48
